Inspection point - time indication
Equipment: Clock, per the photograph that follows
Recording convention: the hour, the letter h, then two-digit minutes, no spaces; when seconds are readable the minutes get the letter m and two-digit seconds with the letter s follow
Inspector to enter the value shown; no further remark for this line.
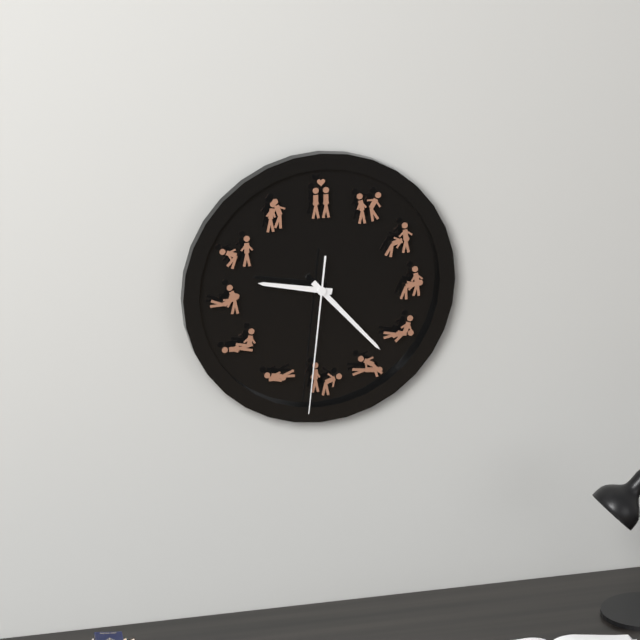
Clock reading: 9h23m31s
